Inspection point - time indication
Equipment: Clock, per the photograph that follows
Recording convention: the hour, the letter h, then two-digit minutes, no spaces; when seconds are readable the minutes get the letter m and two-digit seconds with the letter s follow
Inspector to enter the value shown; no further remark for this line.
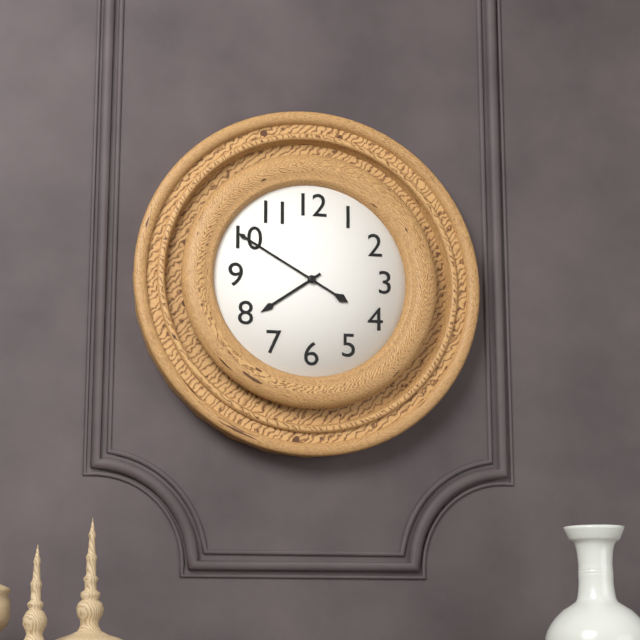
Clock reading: 7h50
